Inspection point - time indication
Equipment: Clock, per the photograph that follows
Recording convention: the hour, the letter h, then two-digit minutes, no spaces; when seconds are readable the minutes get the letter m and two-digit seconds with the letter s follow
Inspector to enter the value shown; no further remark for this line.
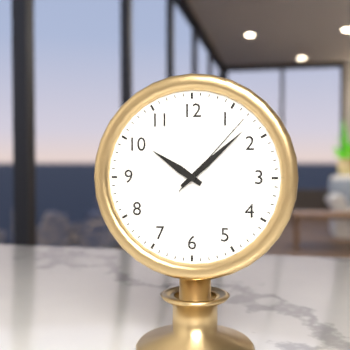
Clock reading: 10h08m07s
